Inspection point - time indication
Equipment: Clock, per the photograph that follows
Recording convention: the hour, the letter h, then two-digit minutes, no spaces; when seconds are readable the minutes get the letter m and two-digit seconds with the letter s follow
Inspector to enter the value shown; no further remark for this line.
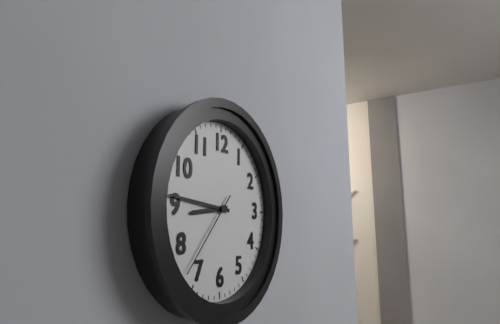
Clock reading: 8h46m37s
